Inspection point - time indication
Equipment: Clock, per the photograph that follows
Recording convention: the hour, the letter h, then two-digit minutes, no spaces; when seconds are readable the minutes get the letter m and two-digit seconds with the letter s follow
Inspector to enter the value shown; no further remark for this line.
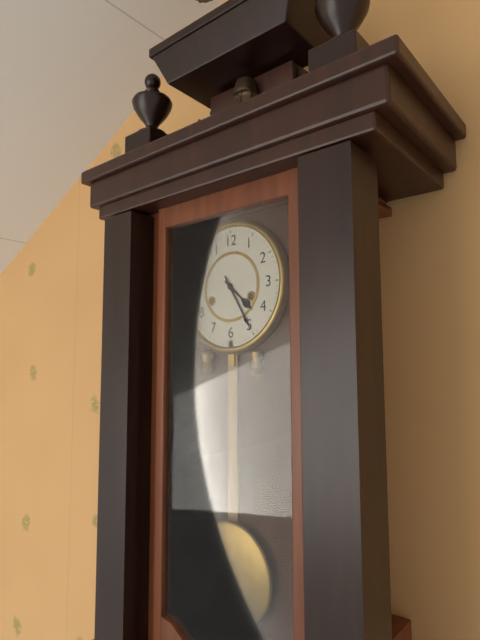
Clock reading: 4h25
